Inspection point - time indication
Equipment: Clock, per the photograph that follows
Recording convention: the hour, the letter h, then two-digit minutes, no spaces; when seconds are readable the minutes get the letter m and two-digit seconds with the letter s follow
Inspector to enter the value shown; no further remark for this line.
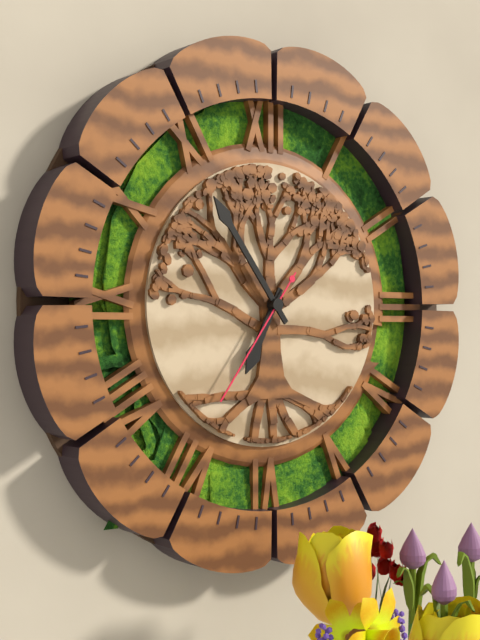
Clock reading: 6h54m36s
